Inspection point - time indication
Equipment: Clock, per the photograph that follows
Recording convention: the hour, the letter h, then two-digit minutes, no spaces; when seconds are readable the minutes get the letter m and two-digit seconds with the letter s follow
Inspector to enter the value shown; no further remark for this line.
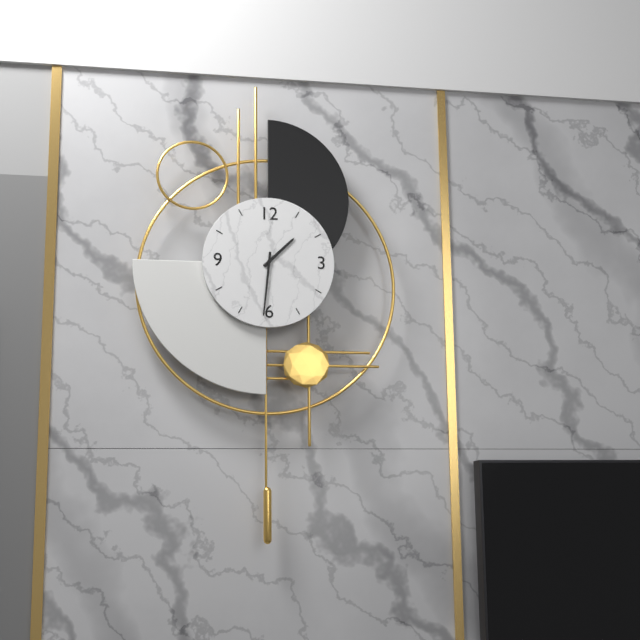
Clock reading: 1h31
